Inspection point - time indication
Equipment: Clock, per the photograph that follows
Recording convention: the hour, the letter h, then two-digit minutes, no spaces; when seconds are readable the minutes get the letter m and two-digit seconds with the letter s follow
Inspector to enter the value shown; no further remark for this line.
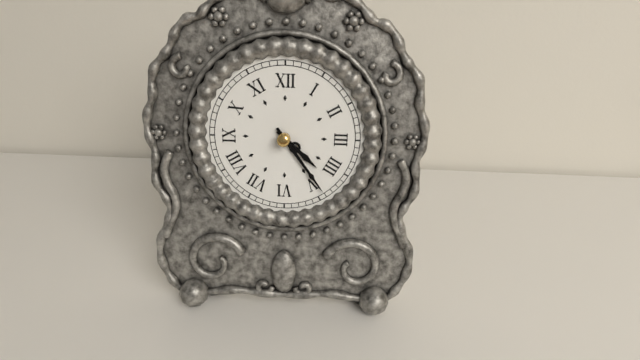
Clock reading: 4h24
